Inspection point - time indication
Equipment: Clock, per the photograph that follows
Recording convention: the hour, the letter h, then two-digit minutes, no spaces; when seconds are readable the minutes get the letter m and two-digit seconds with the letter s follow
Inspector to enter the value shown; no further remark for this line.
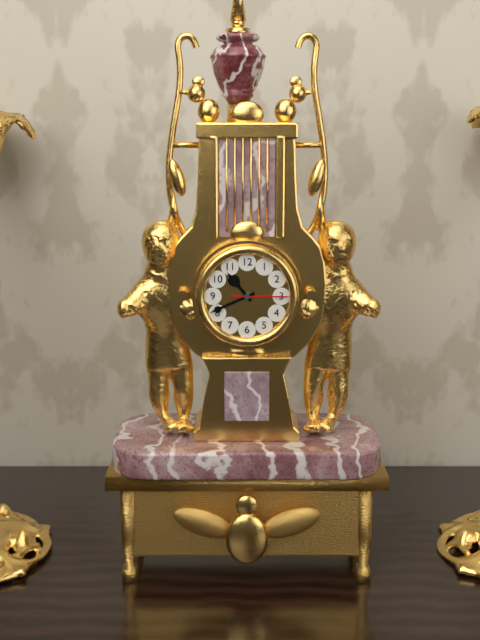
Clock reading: 10h41m15s
